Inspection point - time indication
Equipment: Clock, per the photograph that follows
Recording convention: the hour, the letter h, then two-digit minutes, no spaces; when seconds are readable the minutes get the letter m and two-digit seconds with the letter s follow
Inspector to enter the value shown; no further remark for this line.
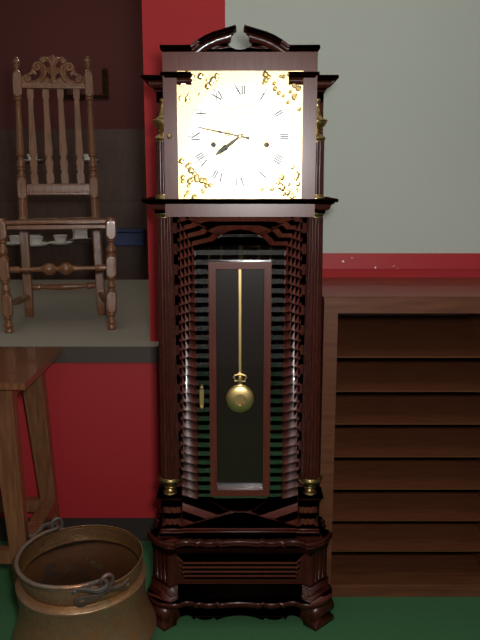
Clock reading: 7h47
